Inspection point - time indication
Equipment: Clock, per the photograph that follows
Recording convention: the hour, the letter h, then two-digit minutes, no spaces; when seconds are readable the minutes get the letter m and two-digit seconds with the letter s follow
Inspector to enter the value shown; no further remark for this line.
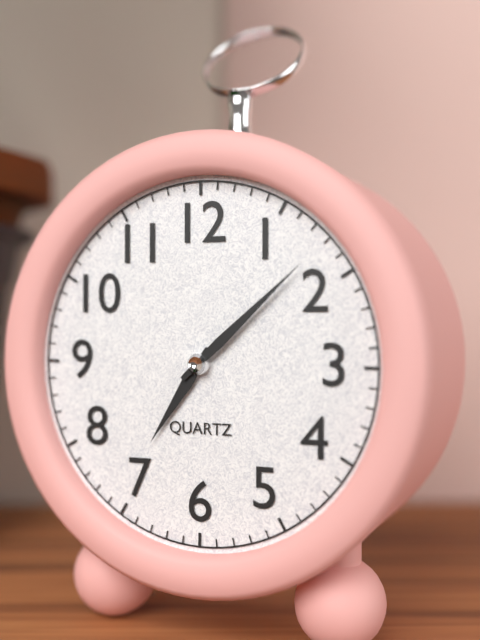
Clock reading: 7h08
